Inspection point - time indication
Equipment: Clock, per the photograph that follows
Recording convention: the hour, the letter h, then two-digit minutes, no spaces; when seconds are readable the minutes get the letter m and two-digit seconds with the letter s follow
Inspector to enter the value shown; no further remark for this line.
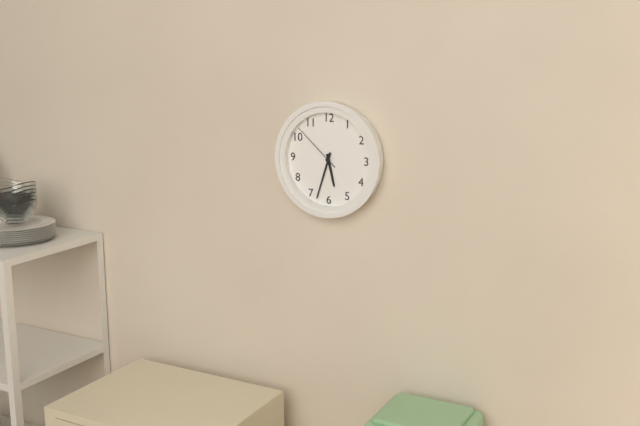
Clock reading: 5h33m52s
